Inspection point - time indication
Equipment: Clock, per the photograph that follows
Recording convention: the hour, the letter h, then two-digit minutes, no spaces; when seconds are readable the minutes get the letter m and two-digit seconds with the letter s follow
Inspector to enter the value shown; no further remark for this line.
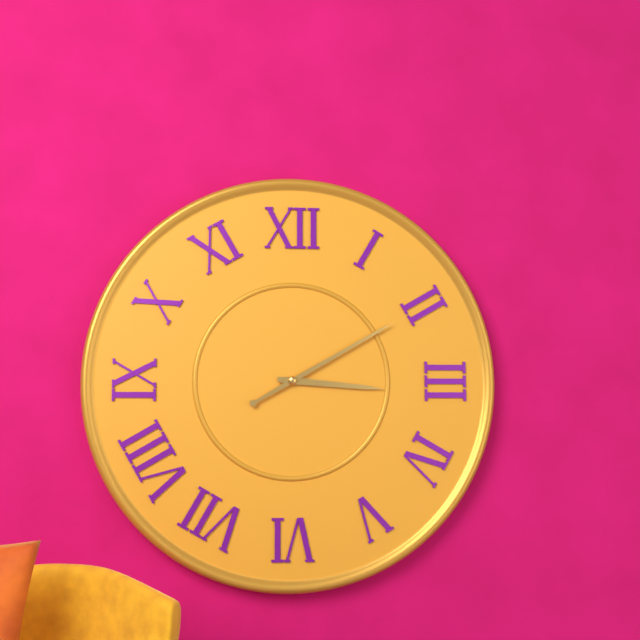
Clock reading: 3h10
